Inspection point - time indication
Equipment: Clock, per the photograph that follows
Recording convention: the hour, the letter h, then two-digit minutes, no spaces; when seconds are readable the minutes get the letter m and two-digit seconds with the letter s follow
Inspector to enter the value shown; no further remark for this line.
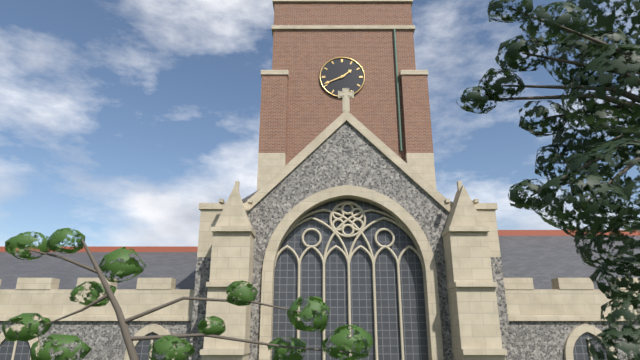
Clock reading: 1h41
